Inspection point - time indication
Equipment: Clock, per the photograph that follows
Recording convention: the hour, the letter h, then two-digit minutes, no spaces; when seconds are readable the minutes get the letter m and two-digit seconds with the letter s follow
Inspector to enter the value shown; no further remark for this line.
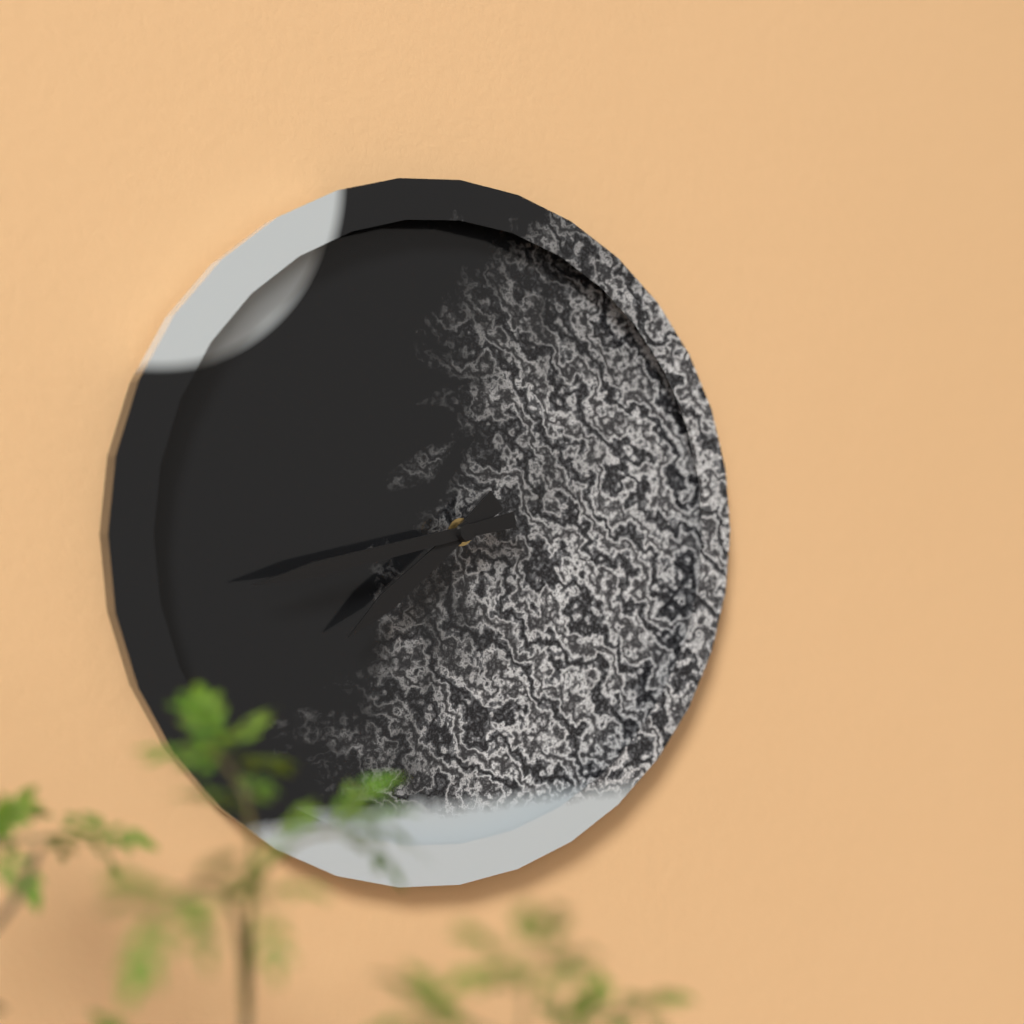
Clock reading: 7h43
